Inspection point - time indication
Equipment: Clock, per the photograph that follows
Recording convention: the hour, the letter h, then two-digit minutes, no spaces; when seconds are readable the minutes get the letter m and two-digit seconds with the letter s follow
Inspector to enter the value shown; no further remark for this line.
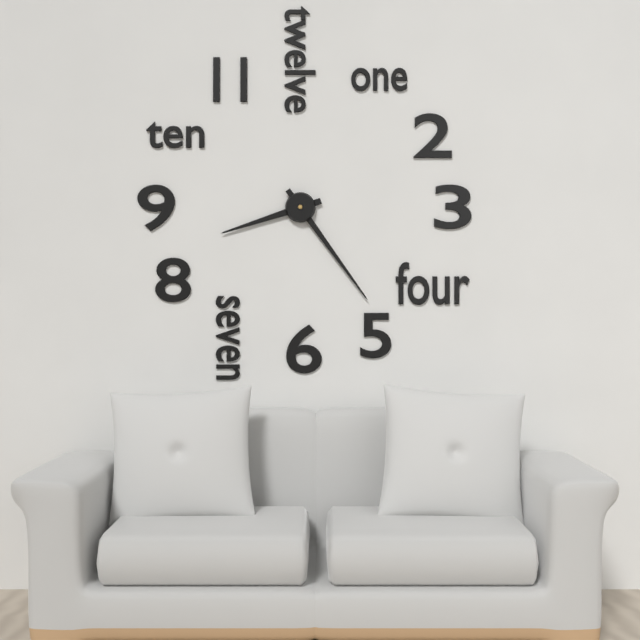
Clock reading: 8h24
